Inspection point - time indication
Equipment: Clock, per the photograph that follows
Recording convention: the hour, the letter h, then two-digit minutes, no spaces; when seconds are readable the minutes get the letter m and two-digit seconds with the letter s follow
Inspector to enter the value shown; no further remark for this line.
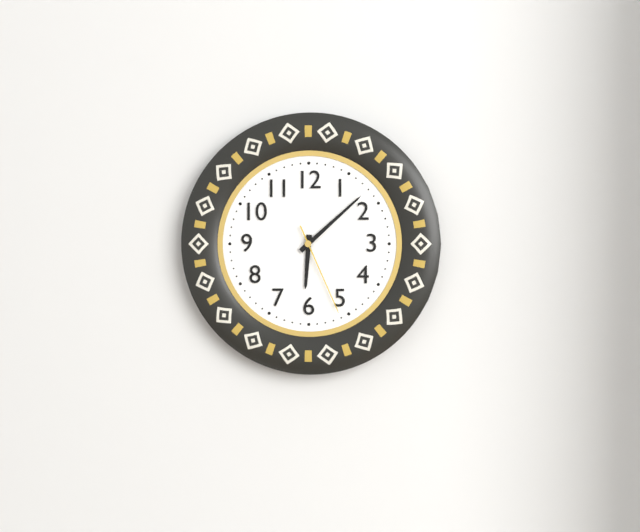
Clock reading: 6h08m26s
